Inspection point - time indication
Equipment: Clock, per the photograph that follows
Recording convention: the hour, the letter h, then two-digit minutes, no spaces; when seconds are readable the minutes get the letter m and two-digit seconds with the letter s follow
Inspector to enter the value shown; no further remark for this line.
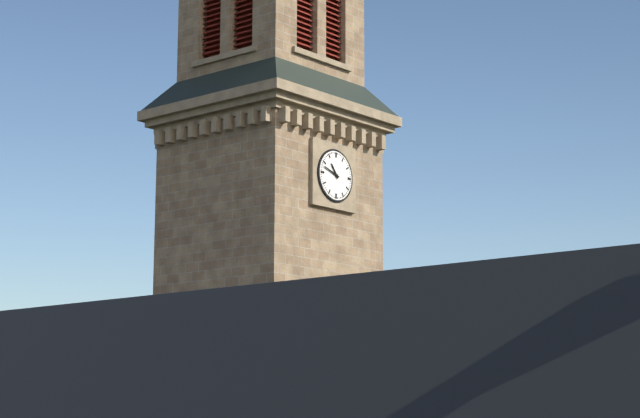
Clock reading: 10h48
